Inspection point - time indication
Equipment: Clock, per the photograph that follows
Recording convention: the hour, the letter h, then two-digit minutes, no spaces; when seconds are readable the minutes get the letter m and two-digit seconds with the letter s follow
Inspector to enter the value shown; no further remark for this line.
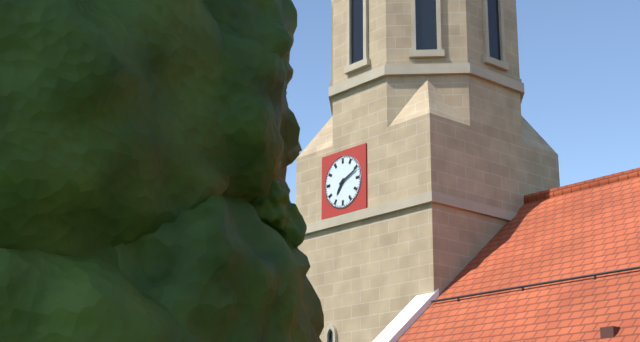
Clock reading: 7h11
